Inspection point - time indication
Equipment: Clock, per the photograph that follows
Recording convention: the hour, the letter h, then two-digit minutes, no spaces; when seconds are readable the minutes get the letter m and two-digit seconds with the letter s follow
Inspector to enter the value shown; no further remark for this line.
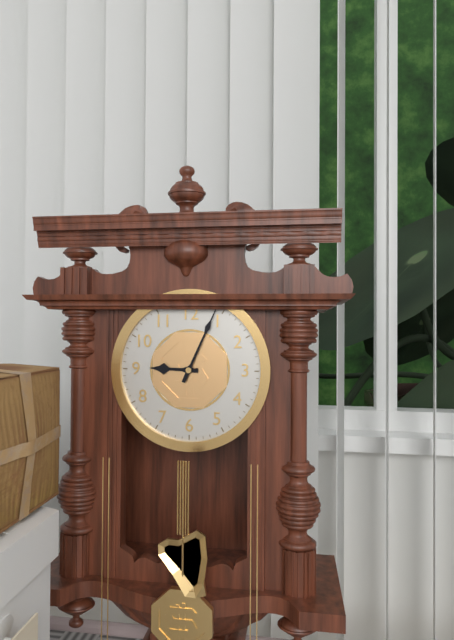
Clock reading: 9h04
